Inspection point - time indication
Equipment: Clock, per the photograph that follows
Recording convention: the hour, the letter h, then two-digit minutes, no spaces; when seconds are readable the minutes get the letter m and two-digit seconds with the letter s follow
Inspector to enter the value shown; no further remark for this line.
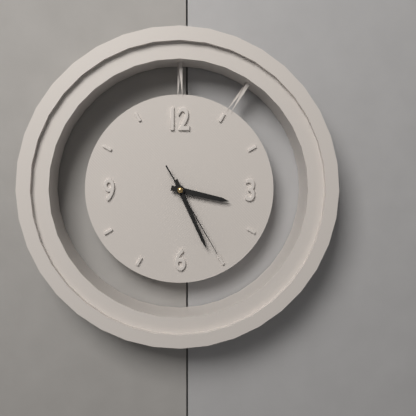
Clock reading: 3h26m25s
